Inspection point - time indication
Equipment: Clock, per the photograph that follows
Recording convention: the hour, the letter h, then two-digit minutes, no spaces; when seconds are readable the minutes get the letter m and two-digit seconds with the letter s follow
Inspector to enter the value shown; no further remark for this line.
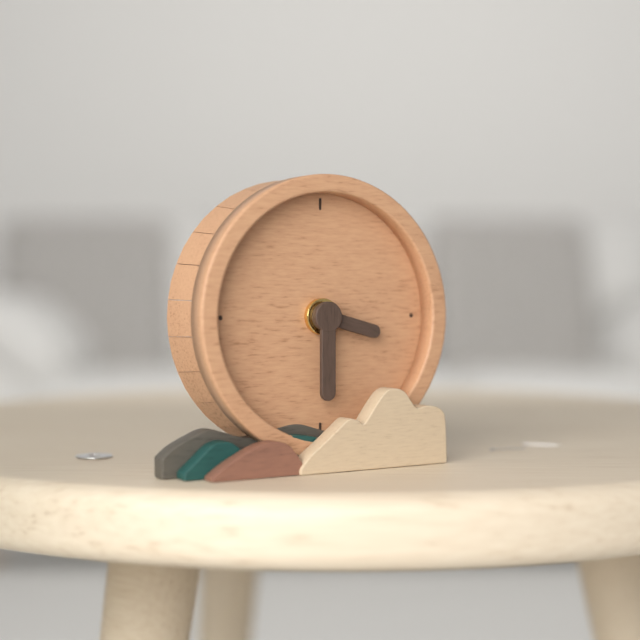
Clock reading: 3h30
